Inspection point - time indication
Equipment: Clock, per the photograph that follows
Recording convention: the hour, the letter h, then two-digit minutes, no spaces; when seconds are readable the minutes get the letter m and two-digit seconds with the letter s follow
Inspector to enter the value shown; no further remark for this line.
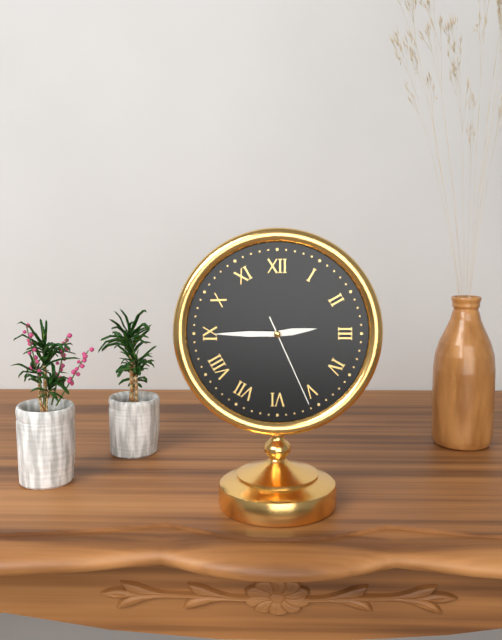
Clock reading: 2h45m26s
